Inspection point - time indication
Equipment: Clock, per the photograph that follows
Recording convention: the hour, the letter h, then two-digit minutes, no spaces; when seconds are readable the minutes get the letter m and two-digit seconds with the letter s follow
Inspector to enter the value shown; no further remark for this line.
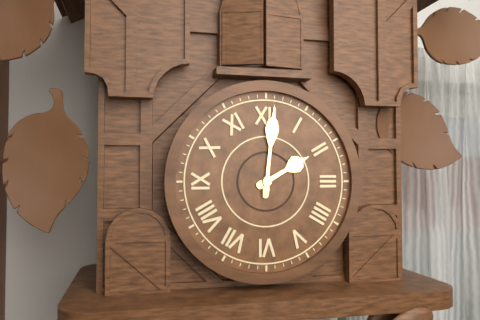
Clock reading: 2h01
